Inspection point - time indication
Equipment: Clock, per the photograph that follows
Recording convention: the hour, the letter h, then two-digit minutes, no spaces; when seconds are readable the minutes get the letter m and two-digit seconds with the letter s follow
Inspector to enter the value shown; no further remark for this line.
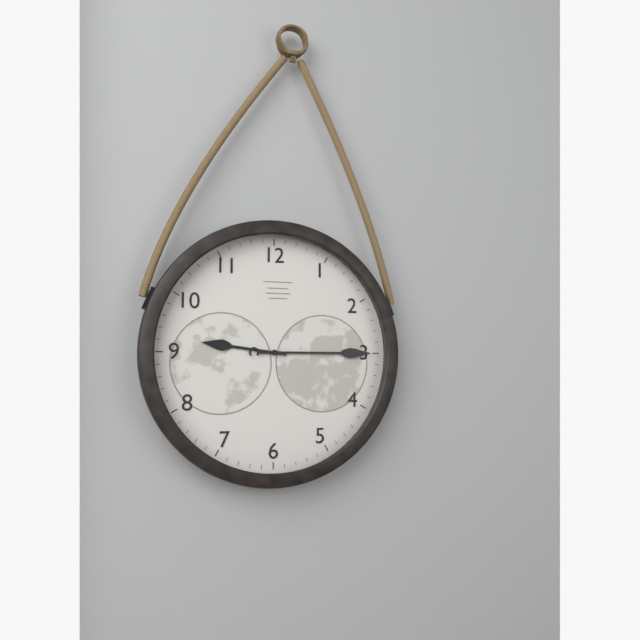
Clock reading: 9h15
